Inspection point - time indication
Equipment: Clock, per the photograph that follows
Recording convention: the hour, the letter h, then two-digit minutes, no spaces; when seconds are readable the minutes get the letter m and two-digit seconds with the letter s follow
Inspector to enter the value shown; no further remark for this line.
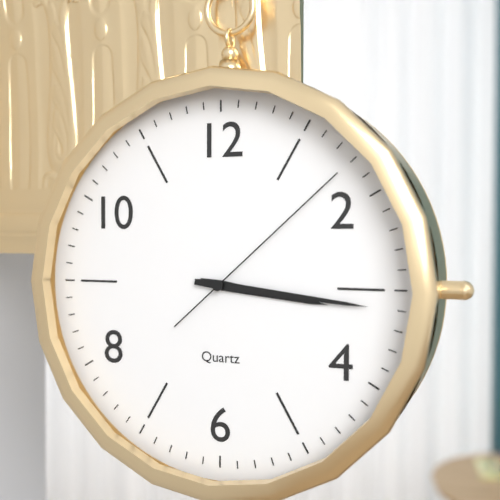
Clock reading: 3h16m08s
